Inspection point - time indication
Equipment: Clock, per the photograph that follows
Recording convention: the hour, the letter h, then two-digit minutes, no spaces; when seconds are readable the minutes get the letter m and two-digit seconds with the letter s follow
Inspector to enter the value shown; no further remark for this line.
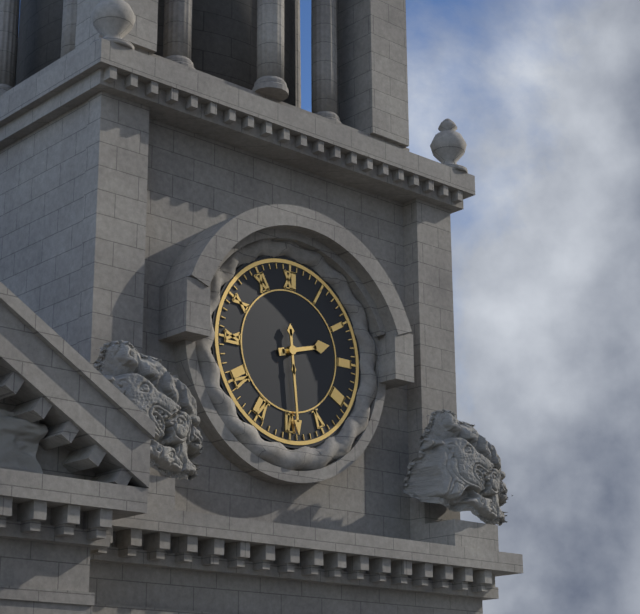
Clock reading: 2h29
